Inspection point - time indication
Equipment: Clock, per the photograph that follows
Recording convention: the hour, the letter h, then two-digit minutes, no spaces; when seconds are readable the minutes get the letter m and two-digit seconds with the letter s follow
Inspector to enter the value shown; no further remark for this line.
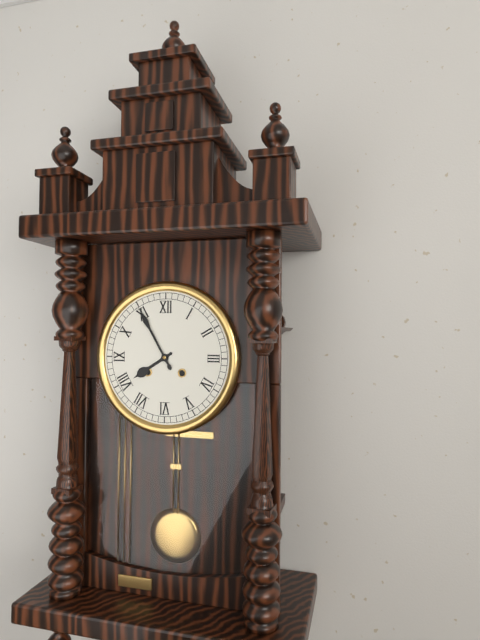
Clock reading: 7h55
